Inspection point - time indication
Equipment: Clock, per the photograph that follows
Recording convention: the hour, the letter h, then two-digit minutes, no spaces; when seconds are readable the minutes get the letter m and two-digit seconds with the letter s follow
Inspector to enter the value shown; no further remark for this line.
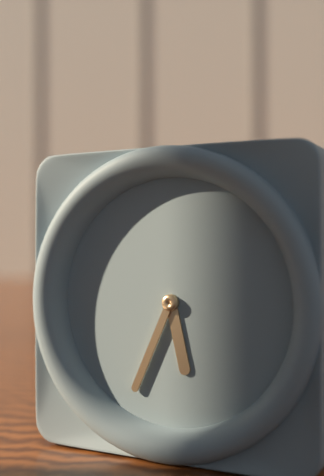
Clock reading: 5h34
